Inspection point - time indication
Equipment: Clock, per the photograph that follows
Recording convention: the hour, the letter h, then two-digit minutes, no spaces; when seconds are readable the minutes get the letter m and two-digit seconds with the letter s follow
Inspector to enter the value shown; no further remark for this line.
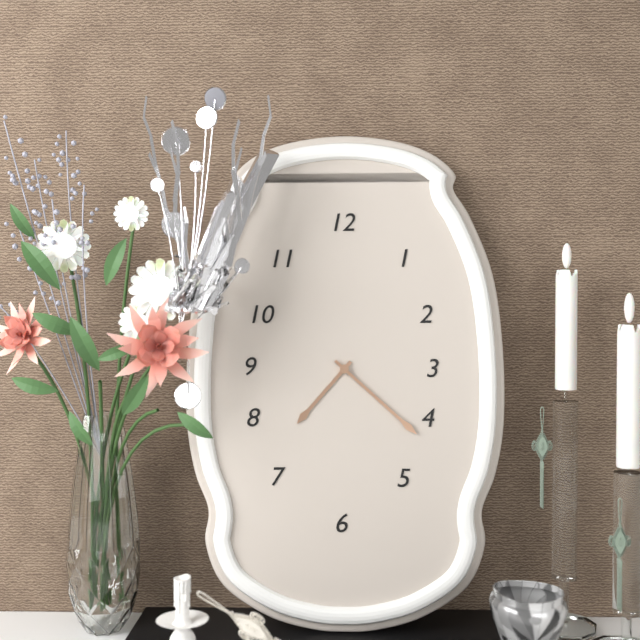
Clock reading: 7h22
